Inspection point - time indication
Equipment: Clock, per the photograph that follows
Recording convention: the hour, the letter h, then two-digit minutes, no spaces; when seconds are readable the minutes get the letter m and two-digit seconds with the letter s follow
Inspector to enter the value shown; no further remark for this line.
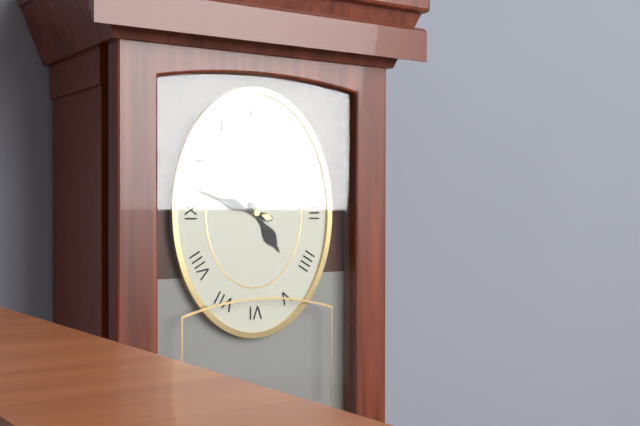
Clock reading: 4h48
